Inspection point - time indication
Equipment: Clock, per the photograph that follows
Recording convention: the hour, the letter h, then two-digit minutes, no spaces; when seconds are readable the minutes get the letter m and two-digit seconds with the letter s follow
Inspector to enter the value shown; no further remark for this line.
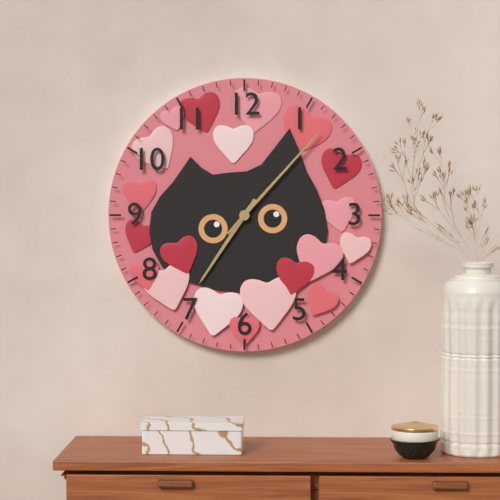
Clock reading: 7h07
